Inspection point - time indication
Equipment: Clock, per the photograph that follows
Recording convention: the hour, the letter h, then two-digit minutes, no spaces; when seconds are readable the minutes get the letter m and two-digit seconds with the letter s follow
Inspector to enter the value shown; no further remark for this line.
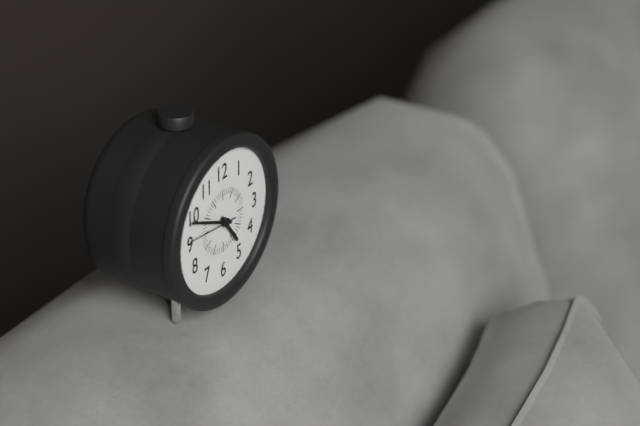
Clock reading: 4h49m46s
